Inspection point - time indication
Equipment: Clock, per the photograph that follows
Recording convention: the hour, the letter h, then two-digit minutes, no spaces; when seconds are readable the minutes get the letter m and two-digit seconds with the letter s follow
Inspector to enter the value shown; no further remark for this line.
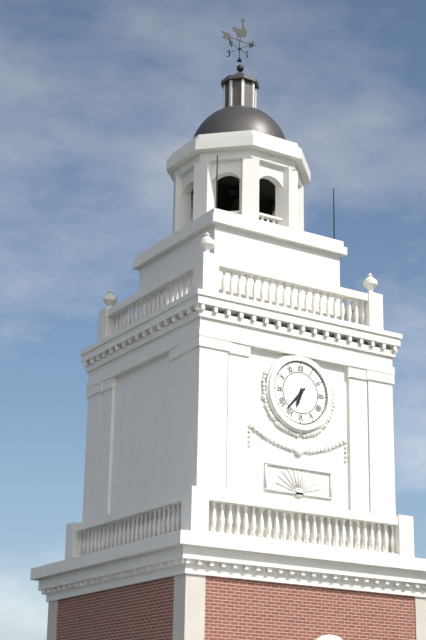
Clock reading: 6h37
